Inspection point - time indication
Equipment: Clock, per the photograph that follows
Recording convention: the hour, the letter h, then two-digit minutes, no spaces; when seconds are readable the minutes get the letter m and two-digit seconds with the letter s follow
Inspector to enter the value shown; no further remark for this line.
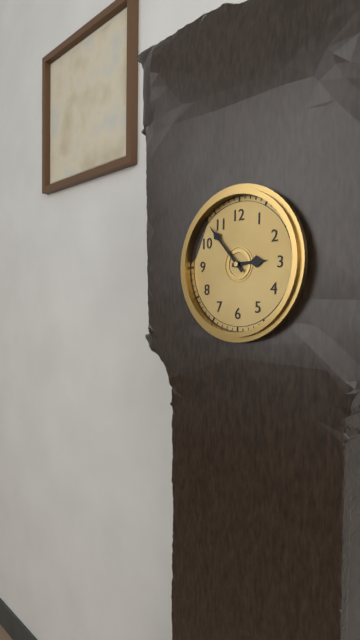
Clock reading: 2h53
